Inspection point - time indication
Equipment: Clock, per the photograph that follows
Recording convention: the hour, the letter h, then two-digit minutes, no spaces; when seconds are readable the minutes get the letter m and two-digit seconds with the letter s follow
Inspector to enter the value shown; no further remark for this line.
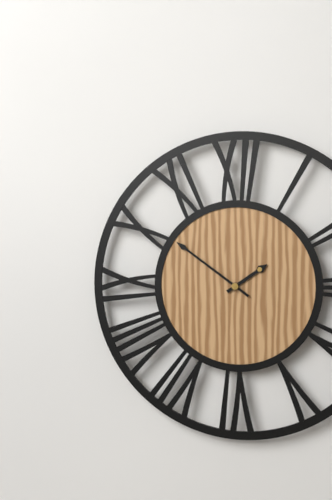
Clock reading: 1h51
